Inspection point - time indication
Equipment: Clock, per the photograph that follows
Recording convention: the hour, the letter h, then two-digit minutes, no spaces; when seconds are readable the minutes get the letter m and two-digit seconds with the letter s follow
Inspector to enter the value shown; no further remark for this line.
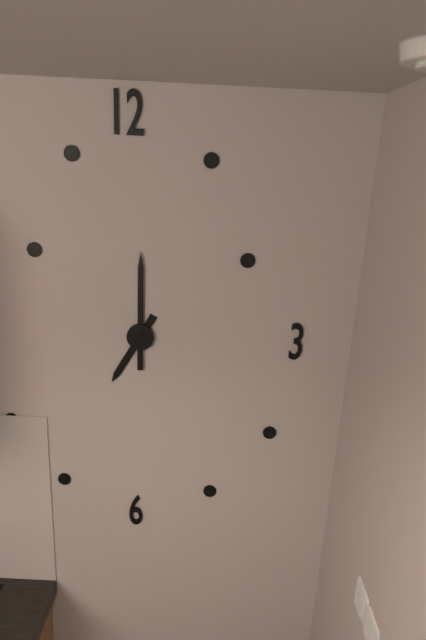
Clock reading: 7h00
